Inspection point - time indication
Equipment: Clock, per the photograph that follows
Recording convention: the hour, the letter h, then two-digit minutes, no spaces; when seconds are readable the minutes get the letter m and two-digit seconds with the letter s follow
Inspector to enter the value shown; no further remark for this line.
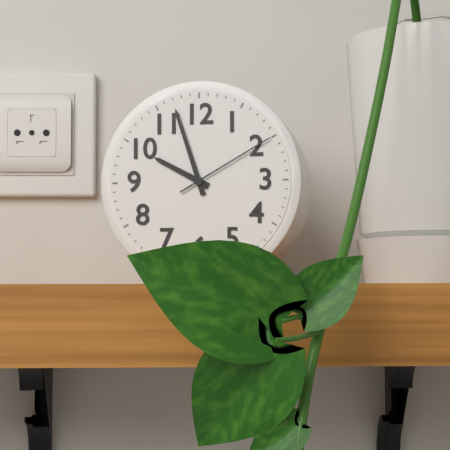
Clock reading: 9h57m10s
